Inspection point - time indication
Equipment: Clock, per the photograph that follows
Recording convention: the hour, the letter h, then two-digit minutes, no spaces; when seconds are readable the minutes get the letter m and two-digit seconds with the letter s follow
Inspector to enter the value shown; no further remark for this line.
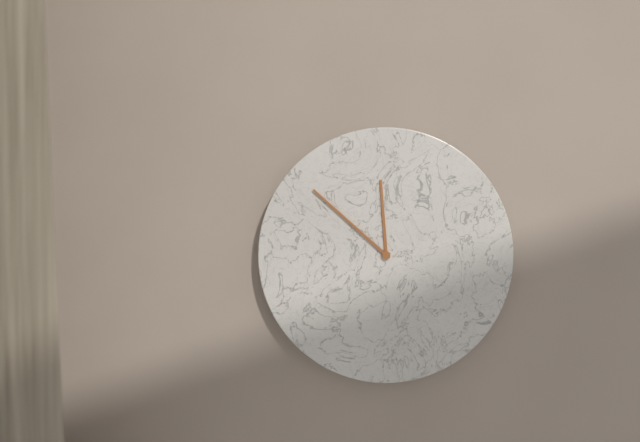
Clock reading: 11h52
